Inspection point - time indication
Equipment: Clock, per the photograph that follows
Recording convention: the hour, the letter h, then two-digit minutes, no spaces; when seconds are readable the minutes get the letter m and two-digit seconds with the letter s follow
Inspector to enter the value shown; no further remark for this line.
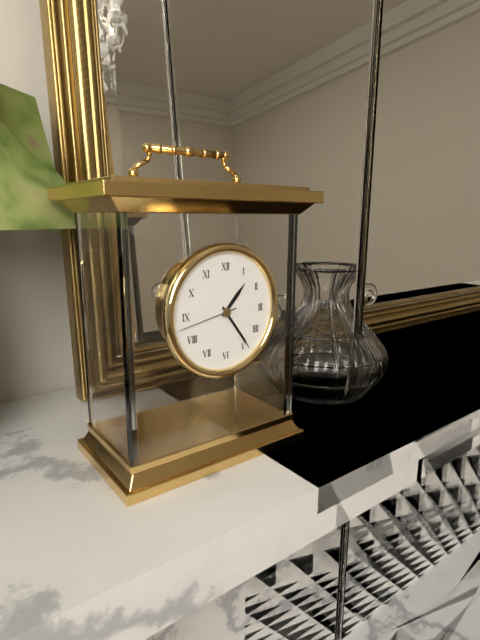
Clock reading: 1h24m43s
